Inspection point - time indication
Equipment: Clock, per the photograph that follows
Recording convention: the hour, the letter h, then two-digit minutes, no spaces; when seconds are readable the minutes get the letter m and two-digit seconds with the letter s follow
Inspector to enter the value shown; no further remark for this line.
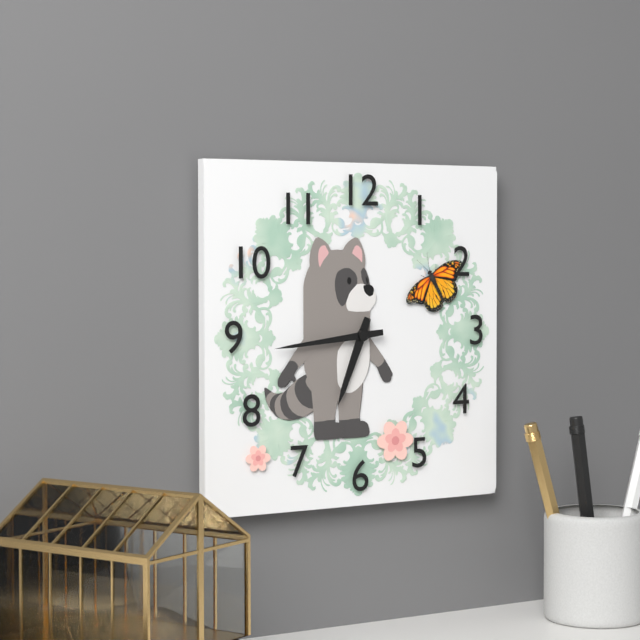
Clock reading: 6h44
